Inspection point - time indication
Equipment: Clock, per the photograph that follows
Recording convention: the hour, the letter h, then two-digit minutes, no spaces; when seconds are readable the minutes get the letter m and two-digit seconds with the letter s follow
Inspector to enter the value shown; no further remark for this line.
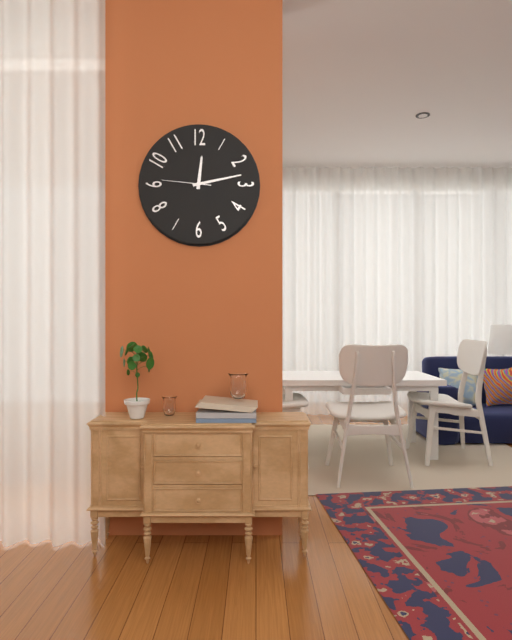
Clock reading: 12h13
